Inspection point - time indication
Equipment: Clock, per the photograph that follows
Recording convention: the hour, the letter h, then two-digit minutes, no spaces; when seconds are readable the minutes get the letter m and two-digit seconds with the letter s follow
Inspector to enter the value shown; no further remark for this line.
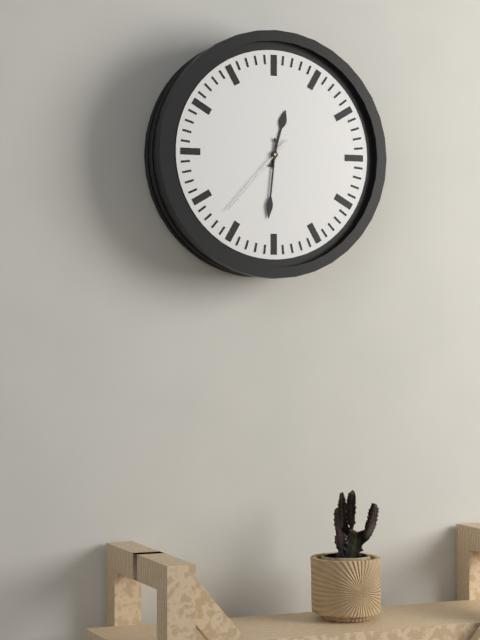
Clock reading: 12h31m37s
